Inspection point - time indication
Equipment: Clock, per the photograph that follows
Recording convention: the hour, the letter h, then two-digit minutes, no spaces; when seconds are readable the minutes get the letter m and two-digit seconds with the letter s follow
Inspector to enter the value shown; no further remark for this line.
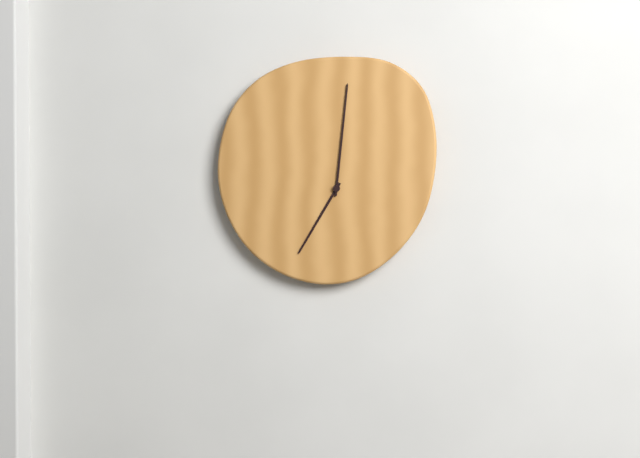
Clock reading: 7h01
